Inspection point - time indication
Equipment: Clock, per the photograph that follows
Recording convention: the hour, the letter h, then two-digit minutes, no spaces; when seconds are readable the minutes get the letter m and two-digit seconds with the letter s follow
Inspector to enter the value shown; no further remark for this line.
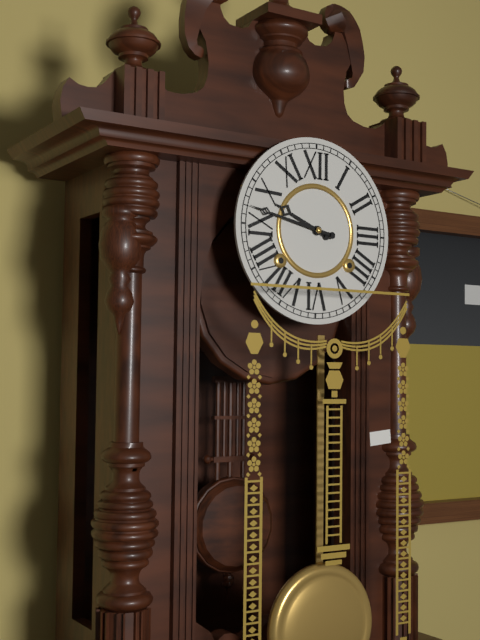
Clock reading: 9h47
